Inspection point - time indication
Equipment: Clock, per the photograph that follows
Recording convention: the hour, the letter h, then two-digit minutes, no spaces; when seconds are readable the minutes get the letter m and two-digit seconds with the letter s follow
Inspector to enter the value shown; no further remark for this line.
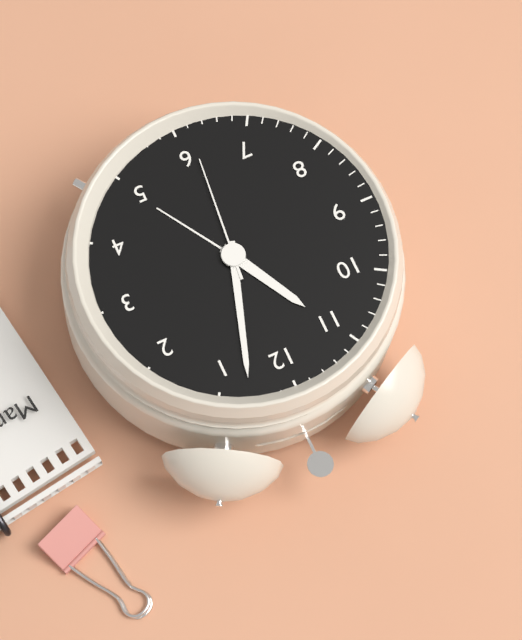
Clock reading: 11h03m31s
